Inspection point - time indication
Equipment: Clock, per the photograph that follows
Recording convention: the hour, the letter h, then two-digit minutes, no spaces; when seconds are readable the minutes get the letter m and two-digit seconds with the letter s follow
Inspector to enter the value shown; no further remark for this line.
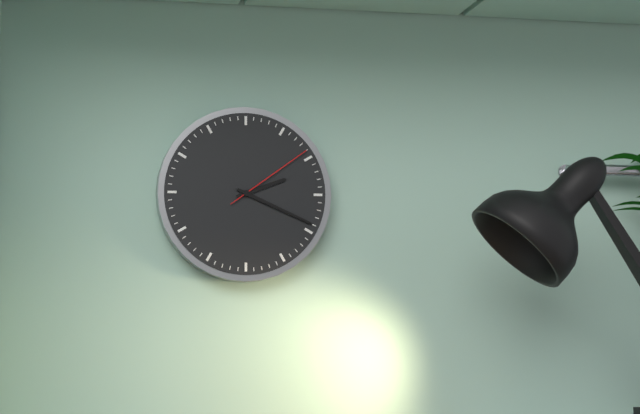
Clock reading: 2h19m09s
